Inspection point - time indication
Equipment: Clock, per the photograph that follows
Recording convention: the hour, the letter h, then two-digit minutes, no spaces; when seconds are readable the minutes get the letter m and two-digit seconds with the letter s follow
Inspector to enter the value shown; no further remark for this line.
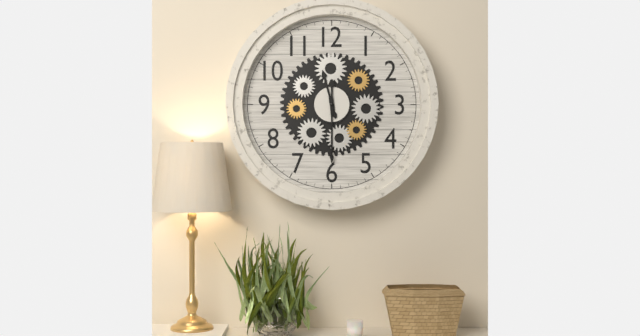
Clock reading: 11h30
